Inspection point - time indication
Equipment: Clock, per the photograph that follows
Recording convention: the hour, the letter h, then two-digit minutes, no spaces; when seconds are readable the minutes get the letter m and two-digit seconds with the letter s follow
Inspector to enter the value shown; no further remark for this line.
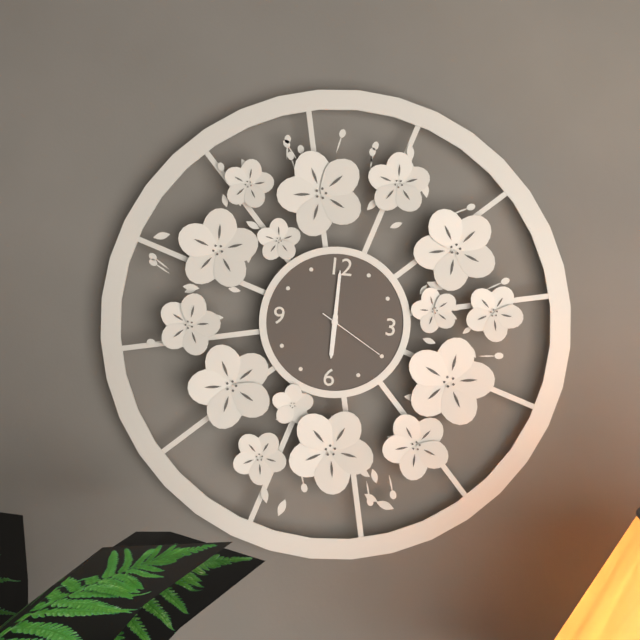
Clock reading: 6h00m20s
